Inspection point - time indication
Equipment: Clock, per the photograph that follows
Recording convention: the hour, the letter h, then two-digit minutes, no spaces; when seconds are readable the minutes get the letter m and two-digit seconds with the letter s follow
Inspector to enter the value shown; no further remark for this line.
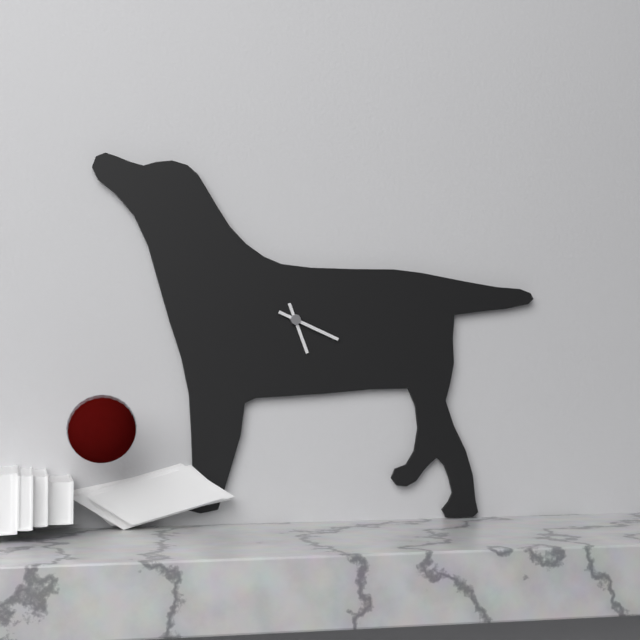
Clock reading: 5h19
